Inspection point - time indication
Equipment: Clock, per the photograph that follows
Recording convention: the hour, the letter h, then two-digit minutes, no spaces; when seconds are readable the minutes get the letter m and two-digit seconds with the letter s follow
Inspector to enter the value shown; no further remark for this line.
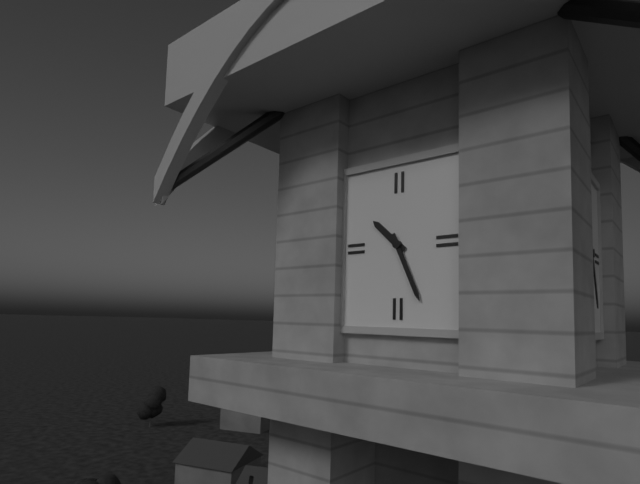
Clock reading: 10h26
